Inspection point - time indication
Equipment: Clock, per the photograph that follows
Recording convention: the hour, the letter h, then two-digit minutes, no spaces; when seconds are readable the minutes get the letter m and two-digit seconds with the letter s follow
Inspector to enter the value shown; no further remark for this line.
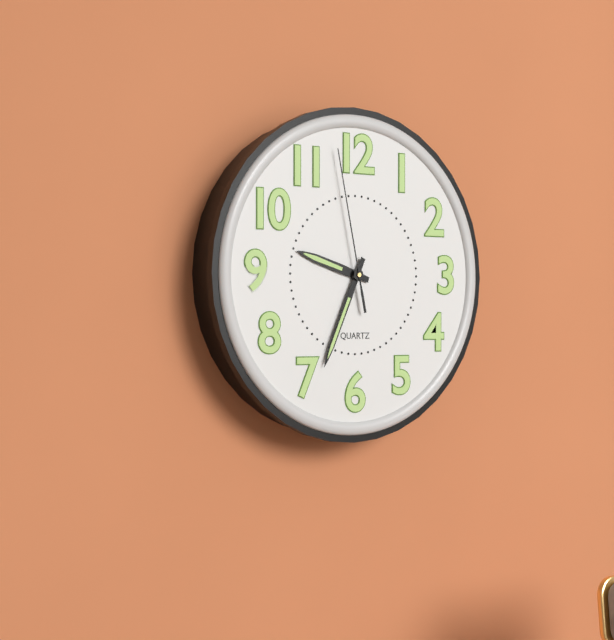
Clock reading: 9h34m58s
